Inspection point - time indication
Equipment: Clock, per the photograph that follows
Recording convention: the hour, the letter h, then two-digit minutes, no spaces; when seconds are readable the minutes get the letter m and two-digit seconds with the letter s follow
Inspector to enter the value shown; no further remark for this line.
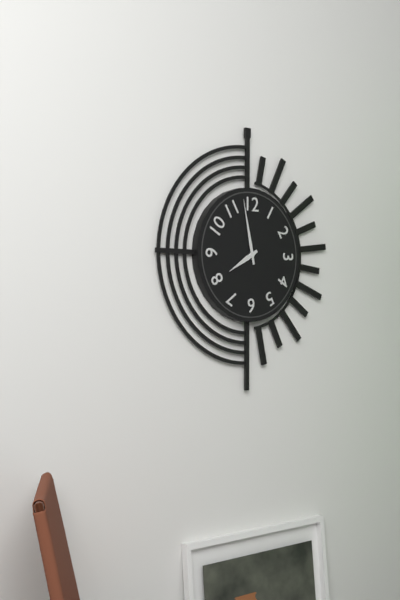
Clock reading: 7h58
